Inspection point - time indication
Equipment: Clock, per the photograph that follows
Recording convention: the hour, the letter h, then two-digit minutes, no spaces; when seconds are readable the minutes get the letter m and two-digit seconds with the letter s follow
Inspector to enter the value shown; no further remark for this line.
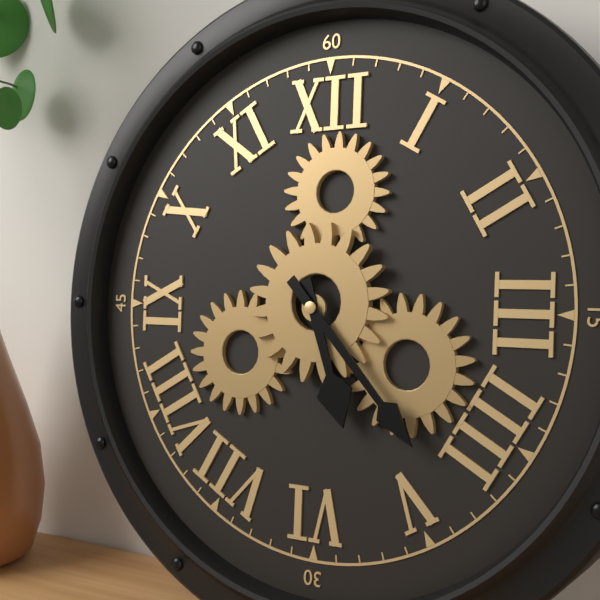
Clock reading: 5h23
